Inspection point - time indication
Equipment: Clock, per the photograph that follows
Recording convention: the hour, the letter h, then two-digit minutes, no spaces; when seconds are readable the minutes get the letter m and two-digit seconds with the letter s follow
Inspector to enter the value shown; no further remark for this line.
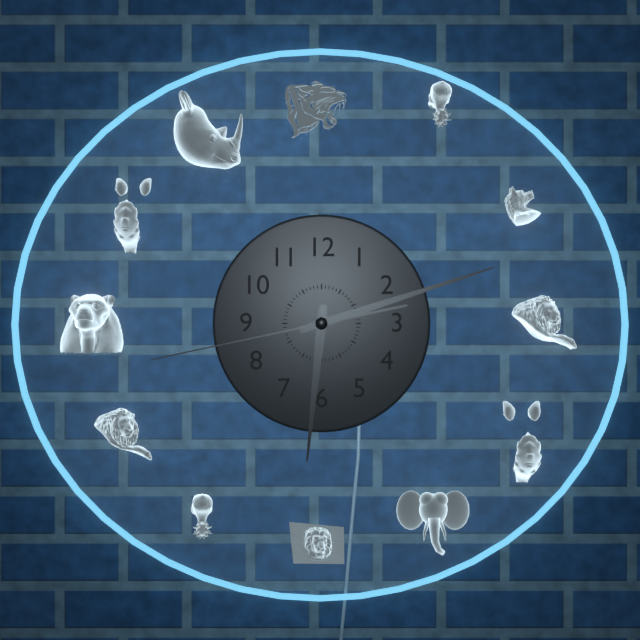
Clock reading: 6h12m43s
